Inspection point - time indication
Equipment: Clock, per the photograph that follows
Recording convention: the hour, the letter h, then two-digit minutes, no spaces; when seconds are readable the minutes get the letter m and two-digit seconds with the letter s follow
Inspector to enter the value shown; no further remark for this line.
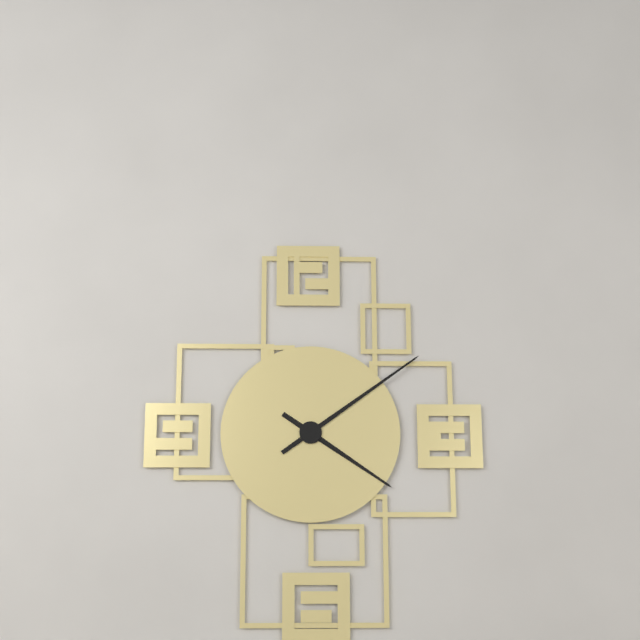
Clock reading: 4h09
